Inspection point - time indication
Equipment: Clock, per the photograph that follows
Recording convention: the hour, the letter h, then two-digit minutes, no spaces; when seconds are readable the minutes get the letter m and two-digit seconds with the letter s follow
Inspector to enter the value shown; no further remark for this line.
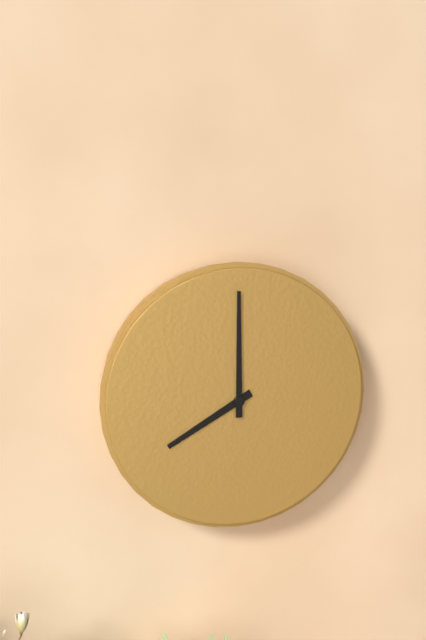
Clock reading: 8h00
